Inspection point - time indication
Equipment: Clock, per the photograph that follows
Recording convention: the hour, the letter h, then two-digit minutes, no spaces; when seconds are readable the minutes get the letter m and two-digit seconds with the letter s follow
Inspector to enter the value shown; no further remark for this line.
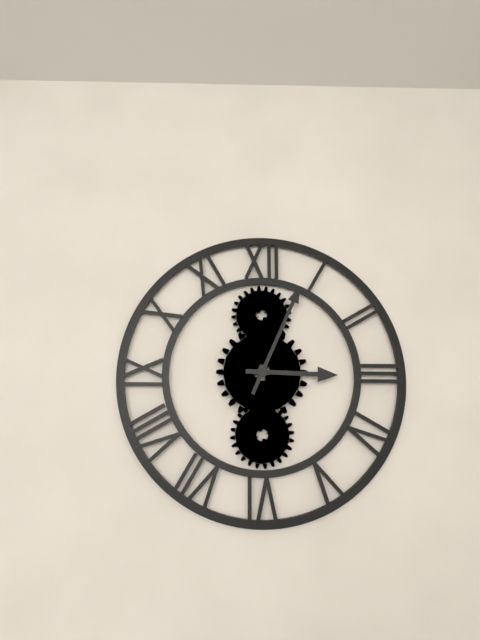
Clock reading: 3h04
